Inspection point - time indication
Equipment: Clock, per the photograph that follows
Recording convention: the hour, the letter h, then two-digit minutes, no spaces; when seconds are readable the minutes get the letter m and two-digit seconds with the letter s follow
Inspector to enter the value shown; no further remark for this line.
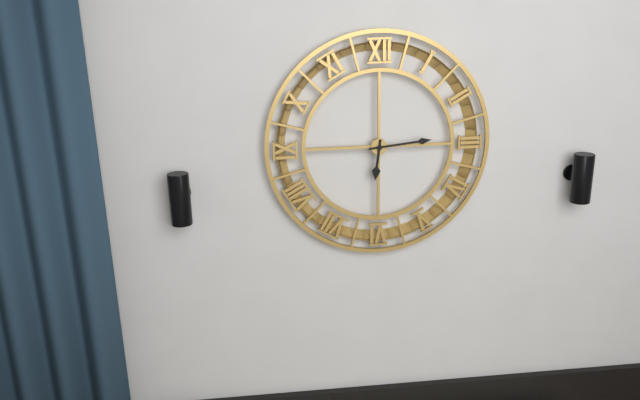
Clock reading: 6h14
